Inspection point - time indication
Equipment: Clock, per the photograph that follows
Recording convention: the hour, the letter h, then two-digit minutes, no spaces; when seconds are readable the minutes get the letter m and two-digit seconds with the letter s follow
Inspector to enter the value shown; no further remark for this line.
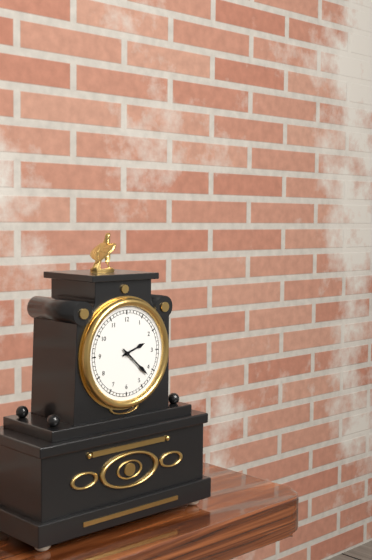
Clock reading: 2h22
